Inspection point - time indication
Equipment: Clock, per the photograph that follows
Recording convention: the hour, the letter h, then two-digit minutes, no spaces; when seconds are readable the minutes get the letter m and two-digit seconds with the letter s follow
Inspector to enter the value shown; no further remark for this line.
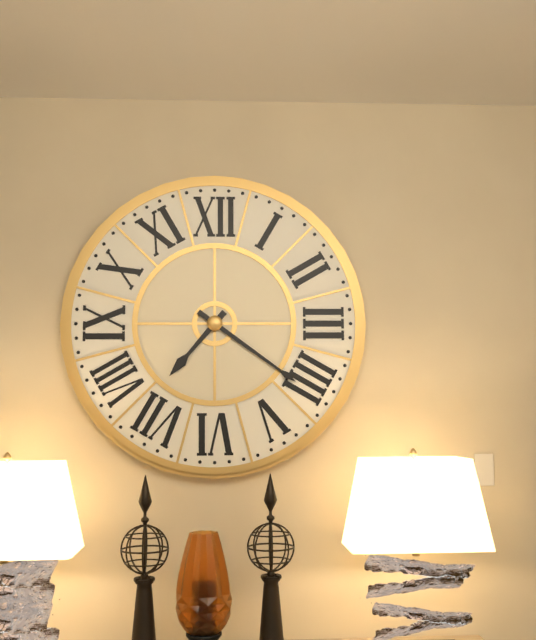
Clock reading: 7h21
